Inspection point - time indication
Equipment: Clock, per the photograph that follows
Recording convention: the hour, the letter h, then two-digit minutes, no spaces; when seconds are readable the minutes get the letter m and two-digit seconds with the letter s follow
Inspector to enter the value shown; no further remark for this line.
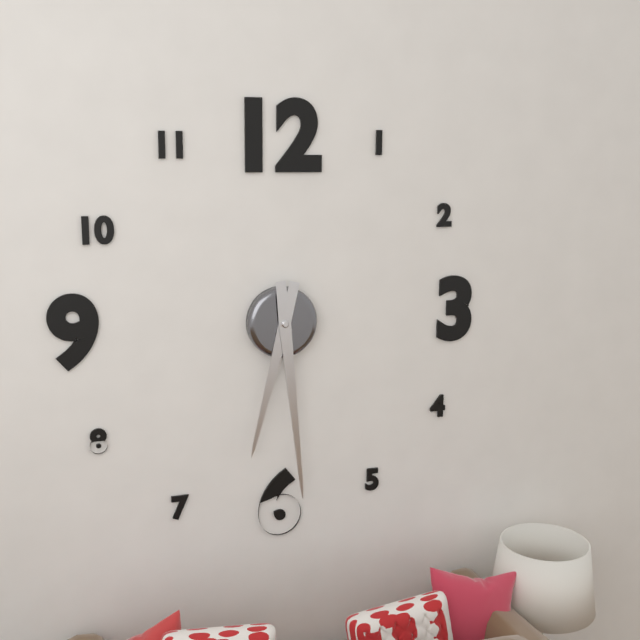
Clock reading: 6h29
